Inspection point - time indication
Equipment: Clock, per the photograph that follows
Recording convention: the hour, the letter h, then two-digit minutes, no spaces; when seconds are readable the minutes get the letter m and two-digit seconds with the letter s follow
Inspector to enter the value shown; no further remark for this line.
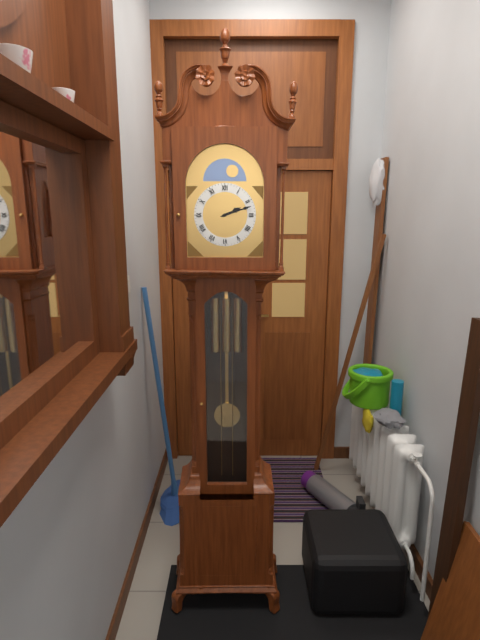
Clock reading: 2h12
